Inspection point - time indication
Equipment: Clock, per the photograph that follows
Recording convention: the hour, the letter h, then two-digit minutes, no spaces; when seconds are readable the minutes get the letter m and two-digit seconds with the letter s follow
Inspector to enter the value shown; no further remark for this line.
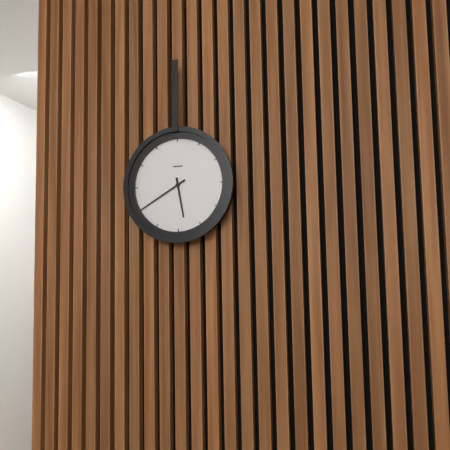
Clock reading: 5h40
